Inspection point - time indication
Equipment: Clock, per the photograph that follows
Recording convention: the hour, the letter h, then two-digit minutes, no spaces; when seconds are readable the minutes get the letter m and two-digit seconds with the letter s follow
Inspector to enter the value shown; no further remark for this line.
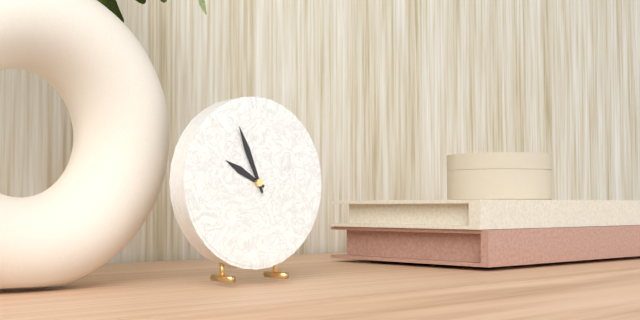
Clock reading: 9h56
